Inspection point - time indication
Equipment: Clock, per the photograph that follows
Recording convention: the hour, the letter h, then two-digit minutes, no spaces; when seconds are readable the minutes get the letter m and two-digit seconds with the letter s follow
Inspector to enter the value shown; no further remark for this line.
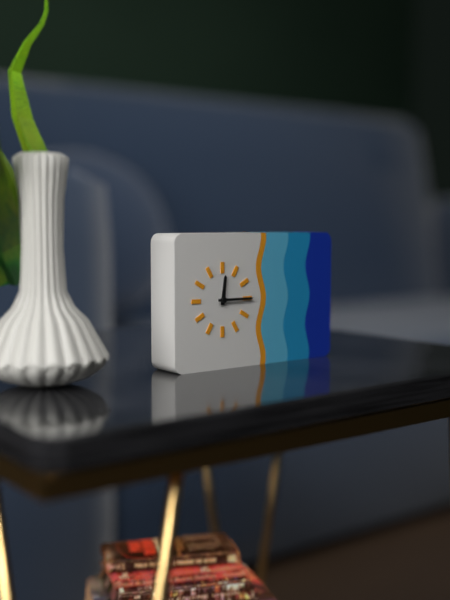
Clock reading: 12h15
